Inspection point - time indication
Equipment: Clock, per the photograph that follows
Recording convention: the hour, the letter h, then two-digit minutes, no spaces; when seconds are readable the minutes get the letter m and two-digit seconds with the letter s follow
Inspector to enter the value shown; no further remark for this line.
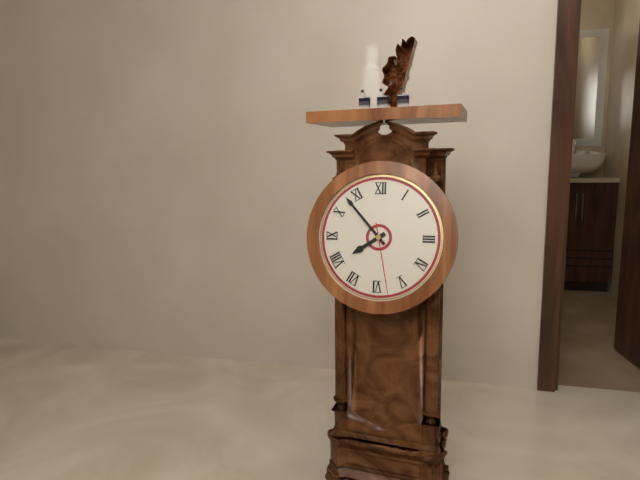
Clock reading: 7h53m28s
